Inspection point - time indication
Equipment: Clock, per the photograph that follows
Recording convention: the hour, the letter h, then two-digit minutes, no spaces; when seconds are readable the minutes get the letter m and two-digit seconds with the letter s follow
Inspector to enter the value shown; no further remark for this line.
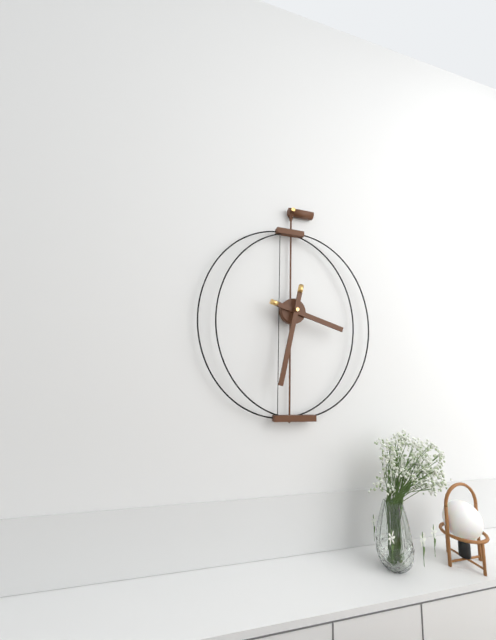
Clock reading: 3h32
